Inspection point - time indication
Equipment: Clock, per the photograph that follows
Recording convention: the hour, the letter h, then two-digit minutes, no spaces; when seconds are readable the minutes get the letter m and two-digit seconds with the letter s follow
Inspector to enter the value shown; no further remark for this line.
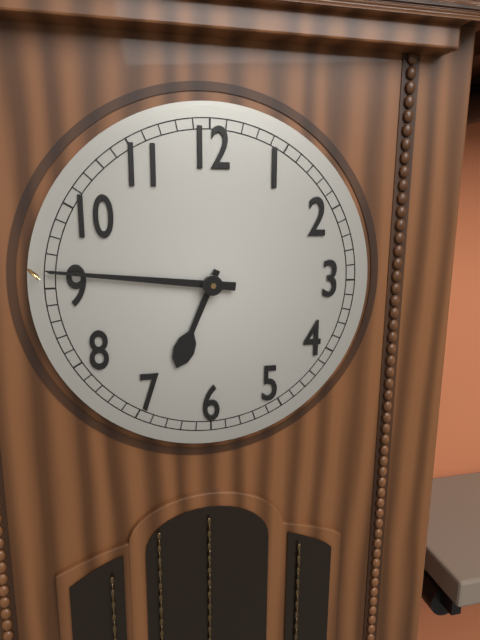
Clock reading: 6h46
